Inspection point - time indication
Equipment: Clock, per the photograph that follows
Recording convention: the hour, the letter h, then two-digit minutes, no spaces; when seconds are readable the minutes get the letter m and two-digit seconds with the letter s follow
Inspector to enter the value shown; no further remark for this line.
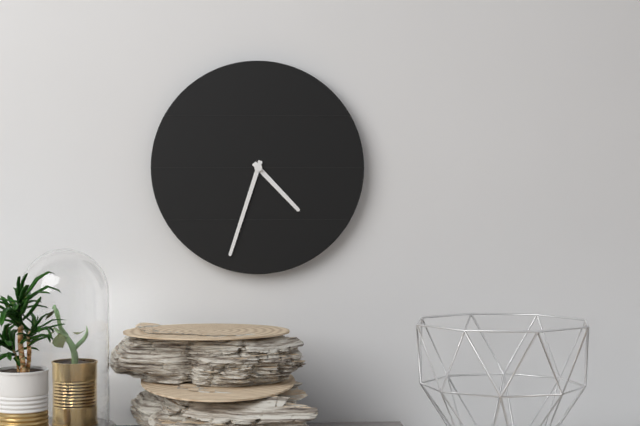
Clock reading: 4h33
